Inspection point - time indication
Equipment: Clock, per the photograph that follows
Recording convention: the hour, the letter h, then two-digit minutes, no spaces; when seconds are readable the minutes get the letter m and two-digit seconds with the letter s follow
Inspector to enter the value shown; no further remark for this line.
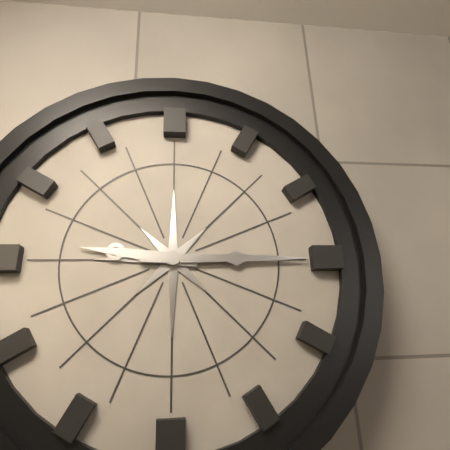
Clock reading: 9h15
